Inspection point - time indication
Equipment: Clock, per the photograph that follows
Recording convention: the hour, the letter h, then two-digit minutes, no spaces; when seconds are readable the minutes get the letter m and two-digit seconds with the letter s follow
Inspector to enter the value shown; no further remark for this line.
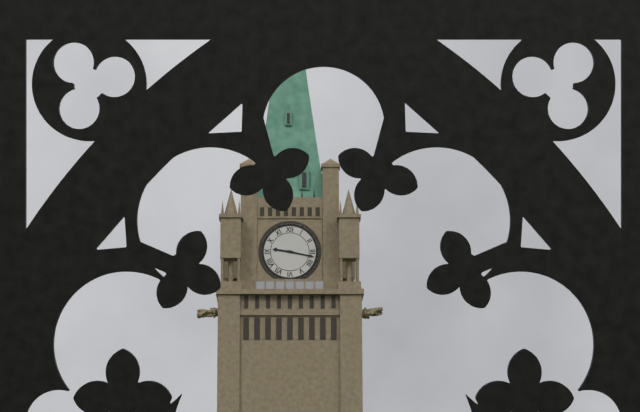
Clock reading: 9h17
